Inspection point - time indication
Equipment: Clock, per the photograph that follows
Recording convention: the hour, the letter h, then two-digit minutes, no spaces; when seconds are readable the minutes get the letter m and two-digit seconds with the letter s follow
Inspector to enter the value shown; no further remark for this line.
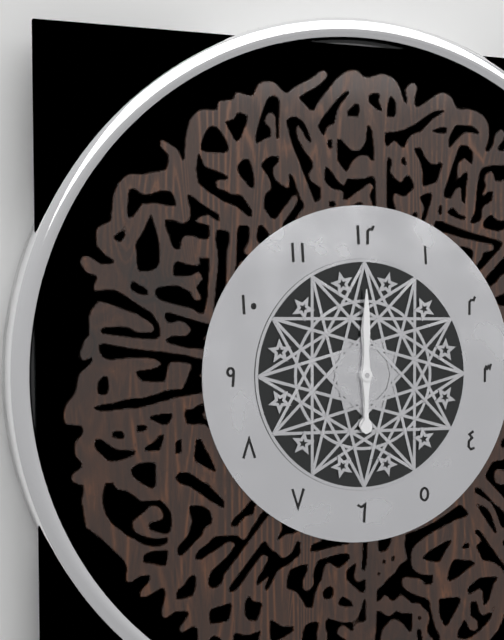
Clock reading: 12h00
